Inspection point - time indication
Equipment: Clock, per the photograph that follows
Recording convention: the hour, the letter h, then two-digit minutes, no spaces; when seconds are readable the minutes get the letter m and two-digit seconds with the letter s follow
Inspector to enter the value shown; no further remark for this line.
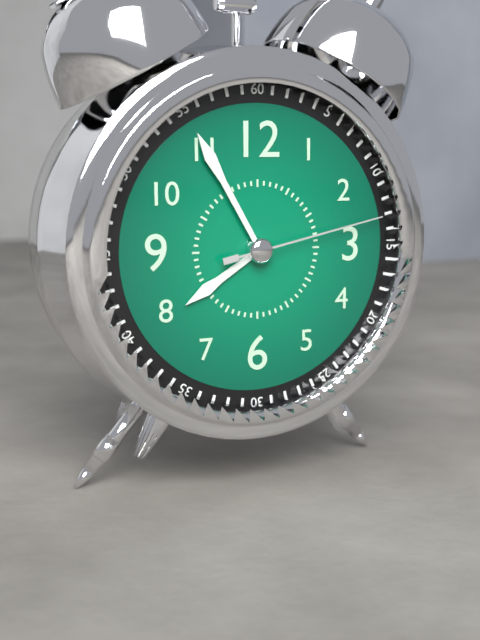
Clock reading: 7h55m13s
